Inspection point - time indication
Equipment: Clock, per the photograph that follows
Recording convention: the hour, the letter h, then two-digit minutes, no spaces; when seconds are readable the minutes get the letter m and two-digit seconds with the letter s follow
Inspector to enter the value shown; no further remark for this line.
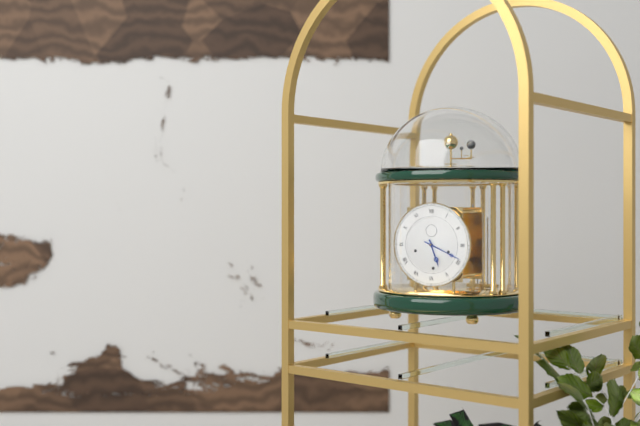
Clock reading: 5h19
